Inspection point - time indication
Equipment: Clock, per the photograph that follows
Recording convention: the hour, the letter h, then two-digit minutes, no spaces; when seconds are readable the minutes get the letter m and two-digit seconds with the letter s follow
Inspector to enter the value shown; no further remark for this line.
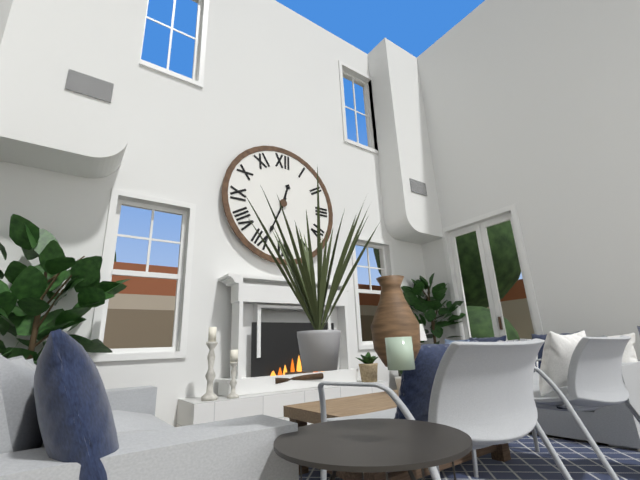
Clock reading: 12h34
